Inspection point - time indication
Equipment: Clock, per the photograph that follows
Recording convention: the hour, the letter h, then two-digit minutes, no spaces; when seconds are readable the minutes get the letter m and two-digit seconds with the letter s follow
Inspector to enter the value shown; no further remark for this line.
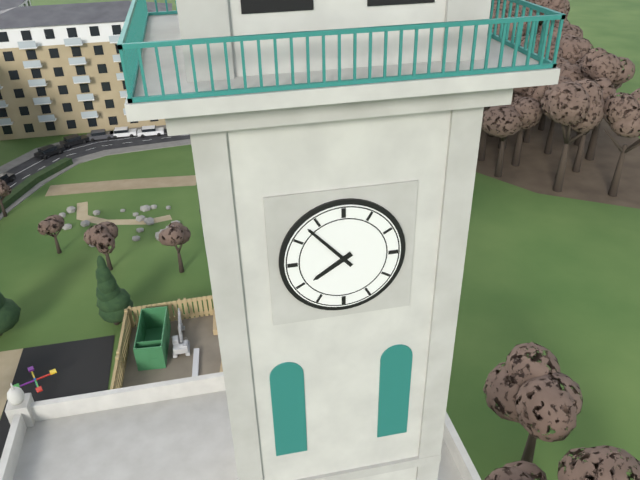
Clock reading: 7h53
